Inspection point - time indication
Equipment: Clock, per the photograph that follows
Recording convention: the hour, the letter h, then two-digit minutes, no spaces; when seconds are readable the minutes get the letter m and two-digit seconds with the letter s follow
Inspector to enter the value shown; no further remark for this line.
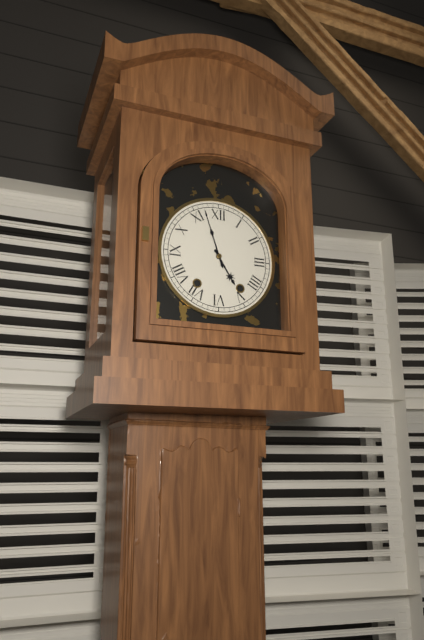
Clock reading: 4h57
